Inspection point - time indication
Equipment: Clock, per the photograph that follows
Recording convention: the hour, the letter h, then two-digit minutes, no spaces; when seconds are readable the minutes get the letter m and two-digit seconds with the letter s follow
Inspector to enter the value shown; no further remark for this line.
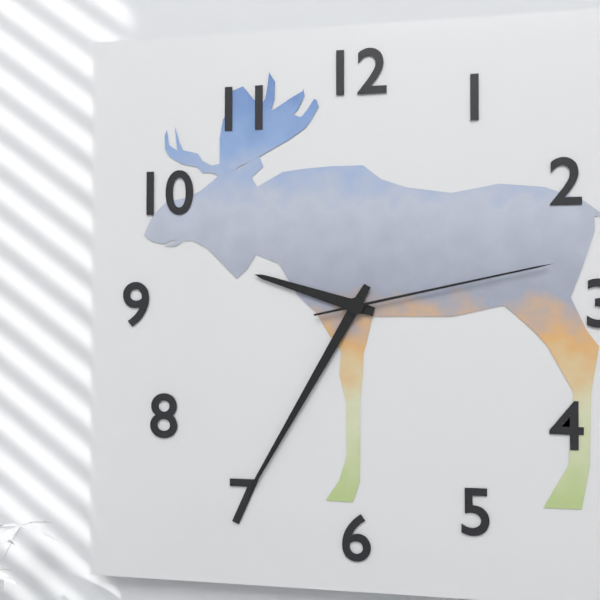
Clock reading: 9h35m13s
